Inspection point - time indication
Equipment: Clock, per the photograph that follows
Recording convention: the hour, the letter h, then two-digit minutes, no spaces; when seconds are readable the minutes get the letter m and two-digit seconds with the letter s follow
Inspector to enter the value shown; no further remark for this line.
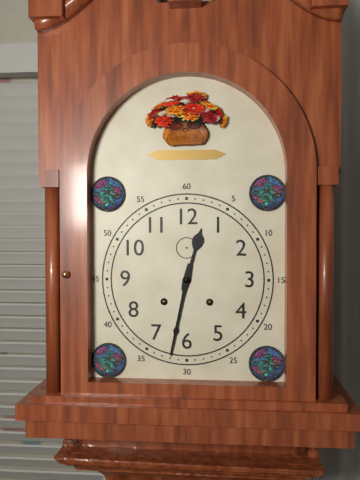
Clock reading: 12h32
